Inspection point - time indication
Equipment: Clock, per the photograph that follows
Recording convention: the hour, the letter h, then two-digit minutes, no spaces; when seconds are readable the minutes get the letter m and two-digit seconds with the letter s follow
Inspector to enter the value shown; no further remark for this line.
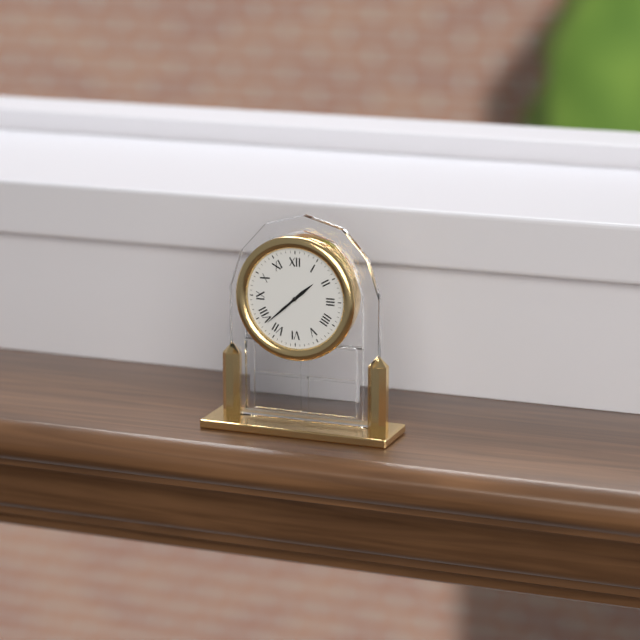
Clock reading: 1h38
